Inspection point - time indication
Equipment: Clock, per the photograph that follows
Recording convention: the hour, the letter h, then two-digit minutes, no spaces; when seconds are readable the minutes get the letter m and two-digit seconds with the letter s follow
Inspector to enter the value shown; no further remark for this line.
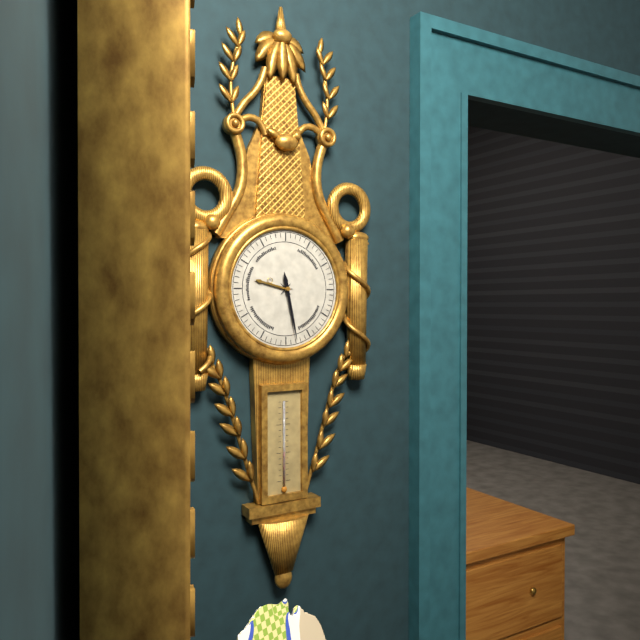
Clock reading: 9h28
